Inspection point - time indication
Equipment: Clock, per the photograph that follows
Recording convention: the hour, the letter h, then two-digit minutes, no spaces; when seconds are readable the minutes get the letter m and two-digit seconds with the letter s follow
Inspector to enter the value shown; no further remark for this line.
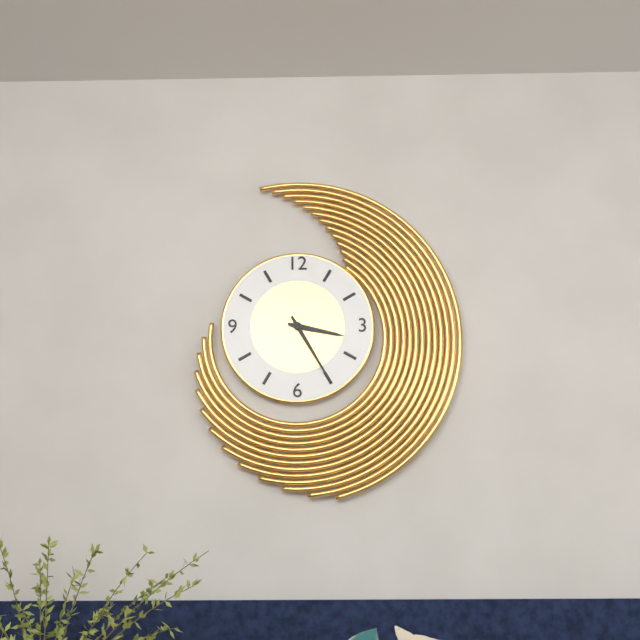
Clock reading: 3h25
